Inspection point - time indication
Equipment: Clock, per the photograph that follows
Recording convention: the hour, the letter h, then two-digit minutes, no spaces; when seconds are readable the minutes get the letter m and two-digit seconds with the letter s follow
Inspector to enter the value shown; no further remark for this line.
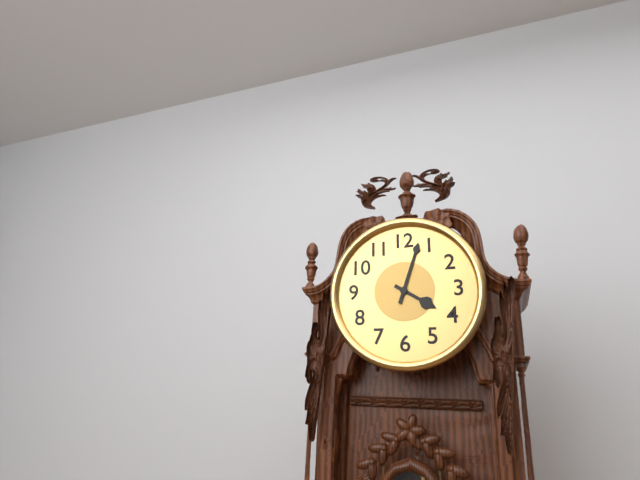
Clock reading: 4h03
